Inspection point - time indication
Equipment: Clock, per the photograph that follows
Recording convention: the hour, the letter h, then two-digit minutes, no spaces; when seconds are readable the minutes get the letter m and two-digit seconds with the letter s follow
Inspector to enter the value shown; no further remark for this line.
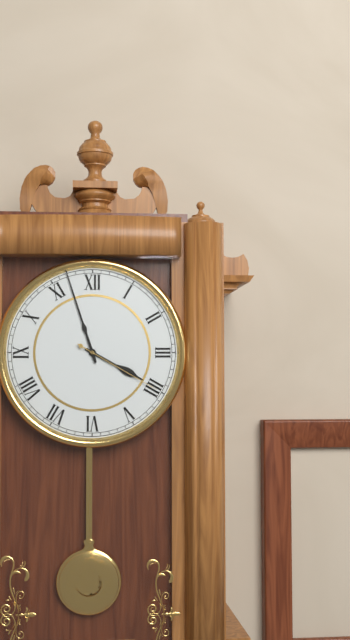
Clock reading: 3h57m20s
